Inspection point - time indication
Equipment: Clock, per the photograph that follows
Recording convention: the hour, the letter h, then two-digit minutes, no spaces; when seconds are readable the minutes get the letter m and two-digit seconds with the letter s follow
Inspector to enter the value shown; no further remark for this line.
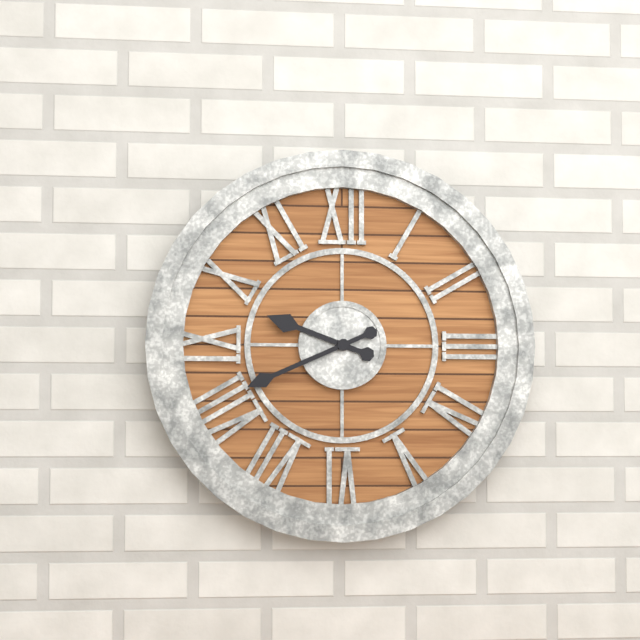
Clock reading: 9h41
